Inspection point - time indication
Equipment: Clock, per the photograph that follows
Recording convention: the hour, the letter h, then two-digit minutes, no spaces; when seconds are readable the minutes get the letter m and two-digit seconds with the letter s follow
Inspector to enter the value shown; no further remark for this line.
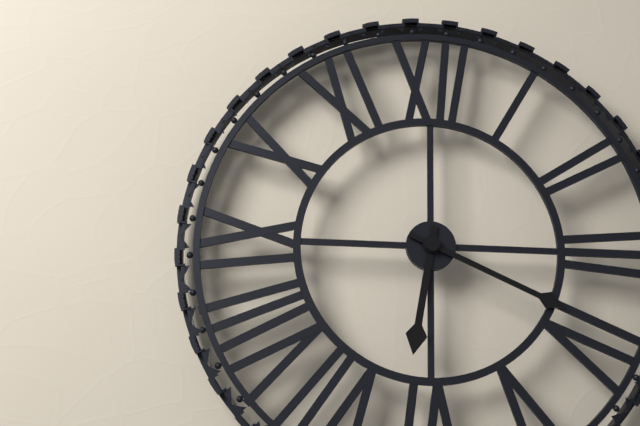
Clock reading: 6h19
